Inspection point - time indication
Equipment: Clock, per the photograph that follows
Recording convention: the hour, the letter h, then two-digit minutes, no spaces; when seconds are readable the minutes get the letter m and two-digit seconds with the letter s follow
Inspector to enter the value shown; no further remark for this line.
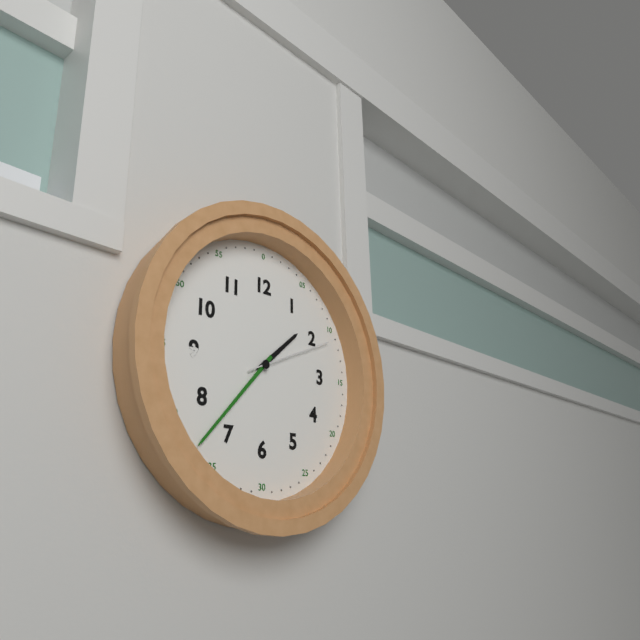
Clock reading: 1h37m11s
